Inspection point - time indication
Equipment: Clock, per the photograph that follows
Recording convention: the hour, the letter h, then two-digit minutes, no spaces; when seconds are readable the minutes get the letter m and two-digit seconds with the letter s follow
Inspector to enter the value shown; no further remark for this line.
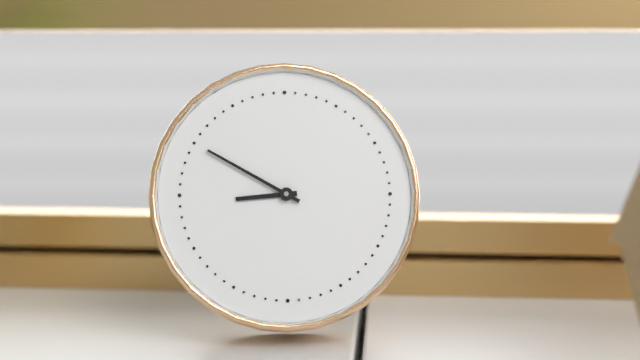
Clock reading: 8h50
